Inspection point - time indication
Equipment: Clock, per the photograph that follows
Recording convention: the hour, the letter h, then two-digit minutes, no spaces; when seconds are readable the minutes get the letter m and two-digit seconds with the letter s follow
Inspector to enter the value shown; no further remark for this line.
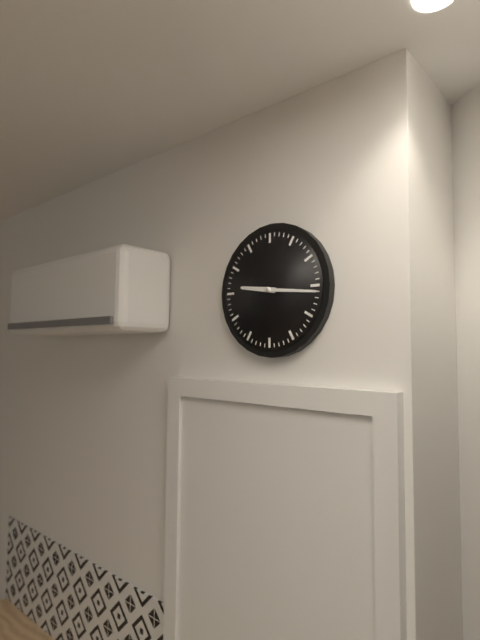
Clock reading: 9h16
